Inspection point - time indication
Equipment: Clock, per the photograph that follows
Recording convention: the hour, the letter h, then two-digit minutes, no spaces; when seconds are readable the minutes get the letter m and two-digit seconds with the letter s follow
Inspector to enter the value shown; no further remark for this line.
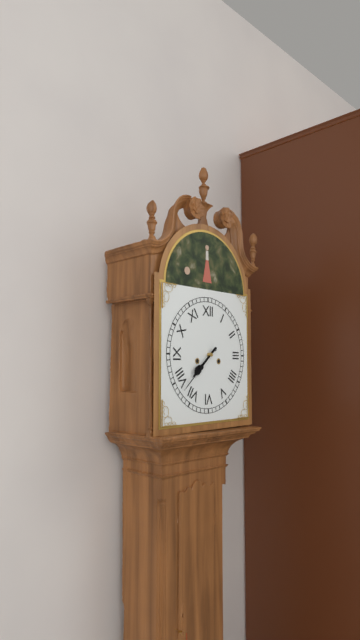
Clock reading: 7h38
